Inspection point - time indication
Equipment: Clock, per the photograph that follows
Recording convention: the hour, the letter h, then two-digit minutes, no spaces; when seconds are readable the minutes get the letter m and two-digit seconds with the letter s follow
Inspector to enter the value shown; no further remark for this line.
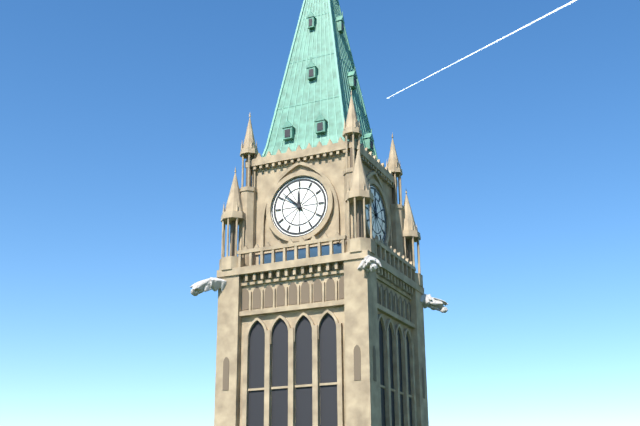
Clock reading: 11h52
